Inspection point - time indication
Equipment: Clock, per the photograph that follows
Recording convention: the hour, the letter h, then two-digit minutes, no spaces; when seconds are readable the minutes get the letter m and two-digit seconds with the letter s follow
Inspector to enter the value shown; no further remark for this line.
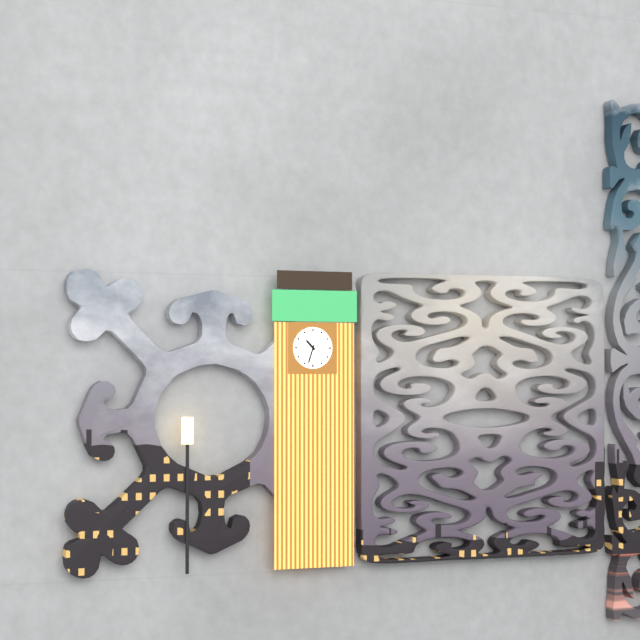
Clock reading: 10h33
